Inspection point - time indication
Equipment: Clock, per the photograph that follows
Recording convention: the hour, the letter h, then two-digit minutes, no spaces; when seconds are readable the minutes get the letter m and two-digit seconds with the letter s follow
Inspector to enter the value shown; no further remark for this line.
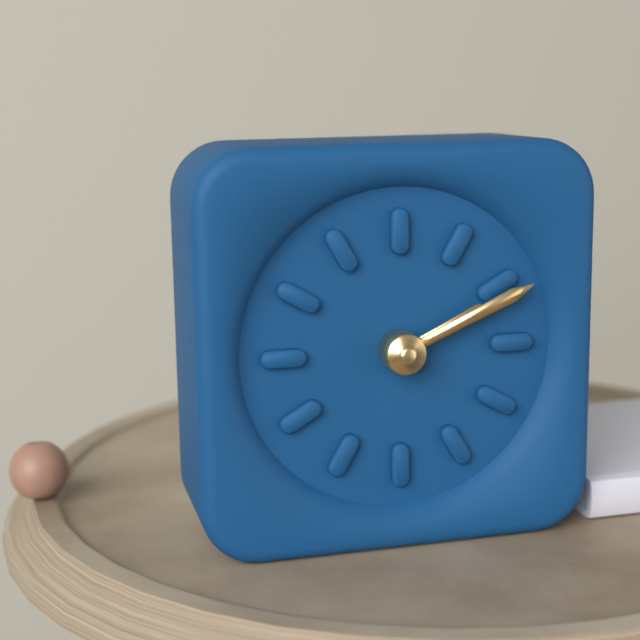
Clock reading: 2h11
